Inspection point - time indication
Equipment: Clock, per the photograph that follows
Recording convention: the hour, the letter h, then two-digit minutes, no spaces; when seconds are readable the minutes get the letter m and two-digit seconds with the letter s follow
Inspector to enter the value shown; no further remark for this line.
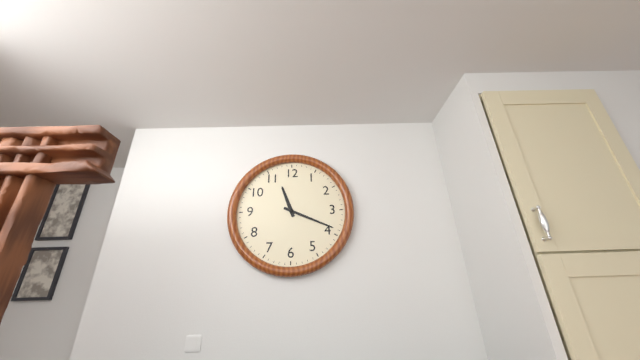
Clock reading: 11h19
